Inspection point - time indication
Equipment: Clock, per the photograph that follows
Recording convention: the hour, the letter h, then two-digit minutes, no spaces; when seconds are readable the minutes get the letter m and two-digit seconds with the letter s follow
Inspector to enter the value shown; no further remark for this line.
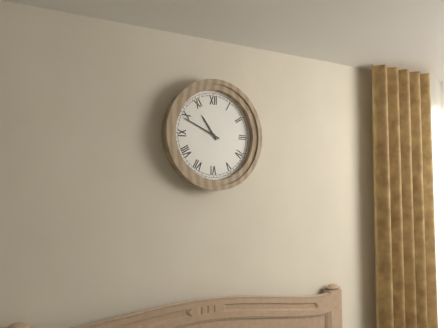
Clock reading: 10h49
